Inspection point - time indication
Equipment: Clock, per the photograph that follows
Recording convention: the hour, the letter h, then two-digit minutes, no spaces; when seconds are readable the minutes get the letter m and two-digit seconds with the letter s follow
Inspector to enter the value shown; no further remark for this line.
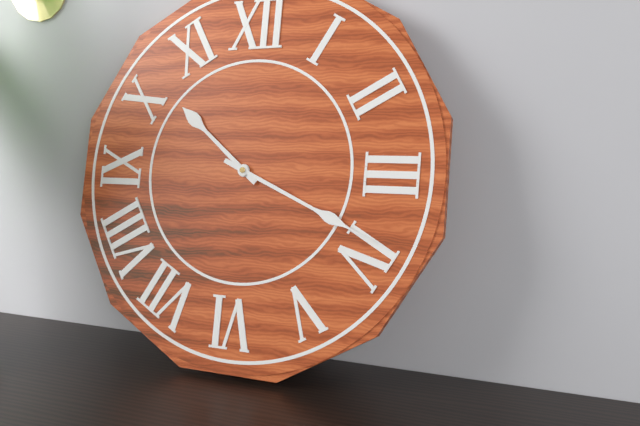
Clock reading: 10h19
